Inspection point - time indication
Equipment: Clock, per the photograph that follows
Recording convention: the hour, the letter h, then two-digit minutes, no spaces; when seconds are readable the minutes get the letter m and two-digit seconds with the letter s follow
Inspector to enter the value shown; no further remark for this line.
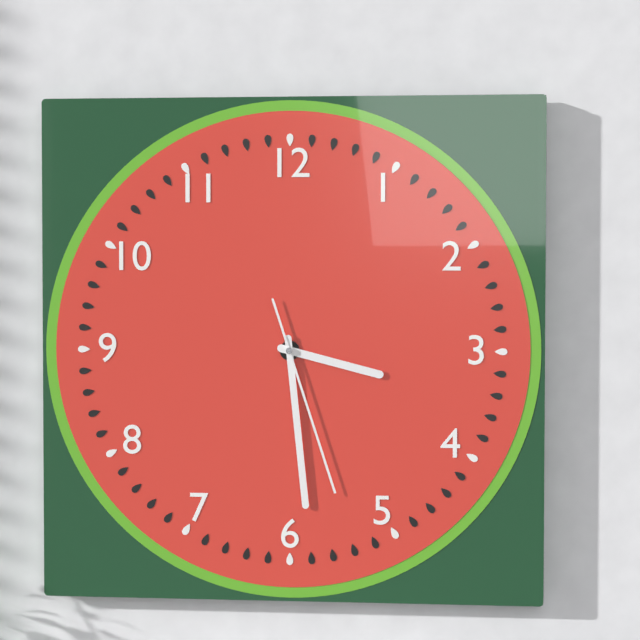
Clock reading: 3h29m27s
